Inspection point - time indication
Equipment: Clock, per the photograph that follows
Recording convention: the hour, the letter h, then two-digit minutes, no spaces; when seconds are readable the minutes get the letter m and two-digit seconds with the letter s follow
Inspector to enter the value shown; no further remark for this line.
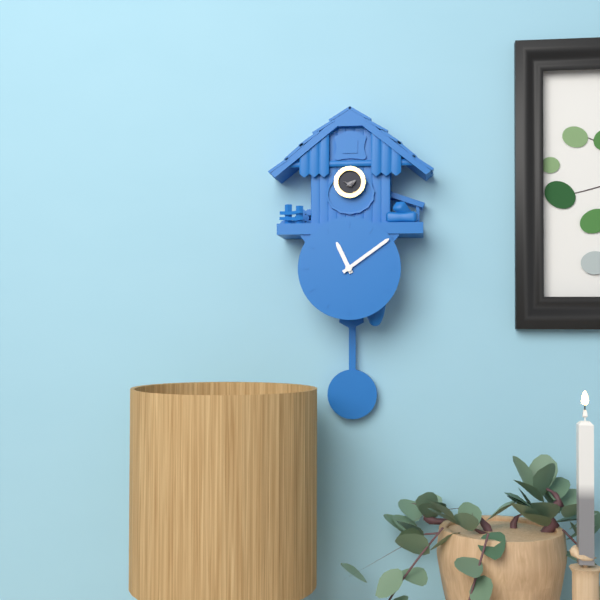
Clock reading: 11h09
